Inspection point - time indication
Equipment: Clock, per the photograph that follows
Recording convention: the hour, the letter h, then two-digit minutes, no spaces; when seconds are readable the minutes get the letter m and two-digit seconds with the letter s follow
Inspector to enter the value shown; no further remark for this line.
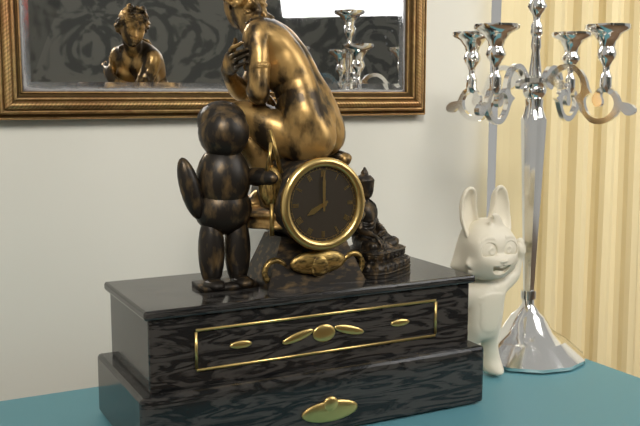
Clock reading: 8h00
